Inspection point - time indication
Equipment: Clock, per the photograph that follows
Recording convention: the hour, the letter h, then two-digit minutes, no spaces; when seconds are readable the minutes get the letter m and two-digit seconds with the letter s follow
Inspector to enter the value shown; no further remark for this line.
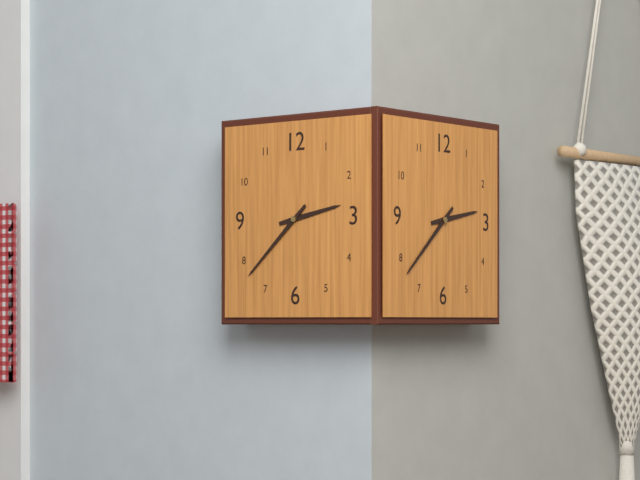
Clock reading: 2h38
